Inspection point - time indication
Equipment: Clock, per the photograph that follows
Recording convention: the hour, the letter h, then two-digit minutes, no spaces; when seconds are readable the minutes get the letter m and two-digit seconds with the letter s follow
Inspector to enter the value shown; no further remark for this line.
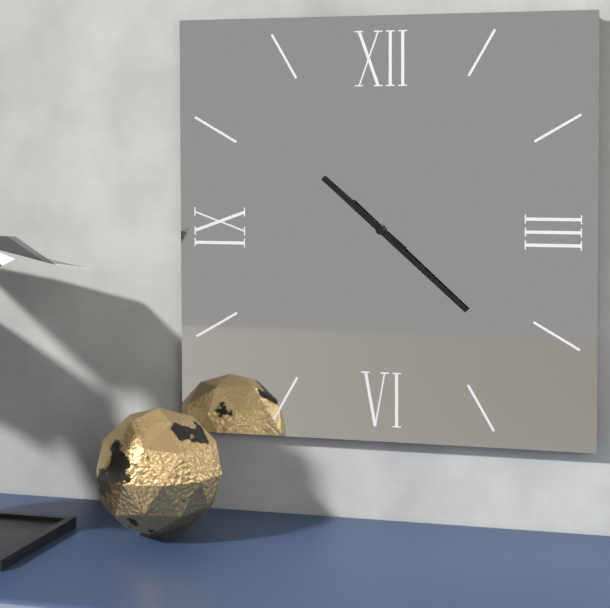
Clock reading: 10h22
